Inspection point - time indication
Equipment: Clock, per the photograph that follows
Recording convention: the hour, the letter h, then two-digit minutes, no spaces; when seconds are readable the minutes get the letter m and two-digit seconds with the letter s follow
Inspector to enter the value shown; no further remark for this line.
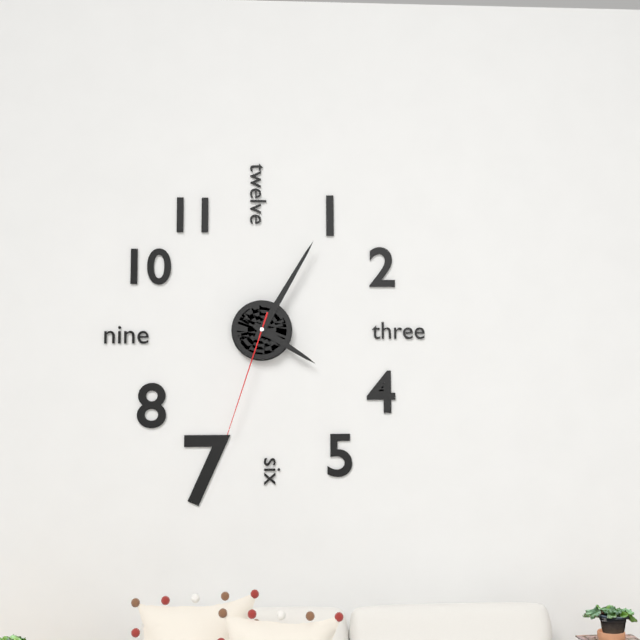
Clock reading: 4h05m33s
